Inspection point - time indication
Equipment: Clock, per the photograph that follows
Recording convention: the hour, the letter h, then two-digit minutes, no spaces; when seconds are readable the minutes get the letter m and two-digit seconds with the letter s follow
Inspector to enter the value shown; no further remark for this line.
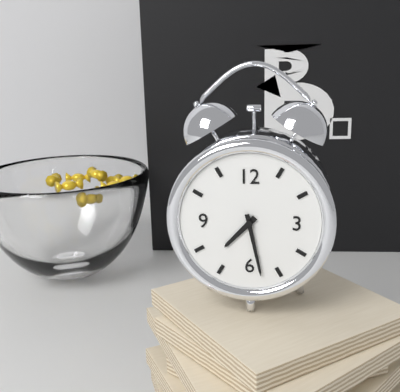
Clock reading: 7h28
